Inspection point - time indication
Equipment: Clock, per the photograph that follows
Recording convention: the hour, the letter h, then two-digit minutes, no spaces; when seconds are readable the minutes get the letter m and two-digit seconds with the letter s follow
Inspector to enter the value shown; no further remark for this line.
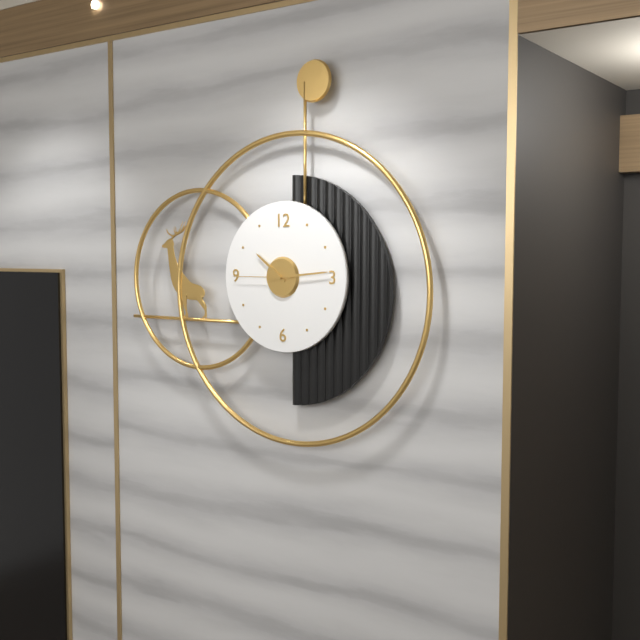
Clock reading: 10h14m45s
